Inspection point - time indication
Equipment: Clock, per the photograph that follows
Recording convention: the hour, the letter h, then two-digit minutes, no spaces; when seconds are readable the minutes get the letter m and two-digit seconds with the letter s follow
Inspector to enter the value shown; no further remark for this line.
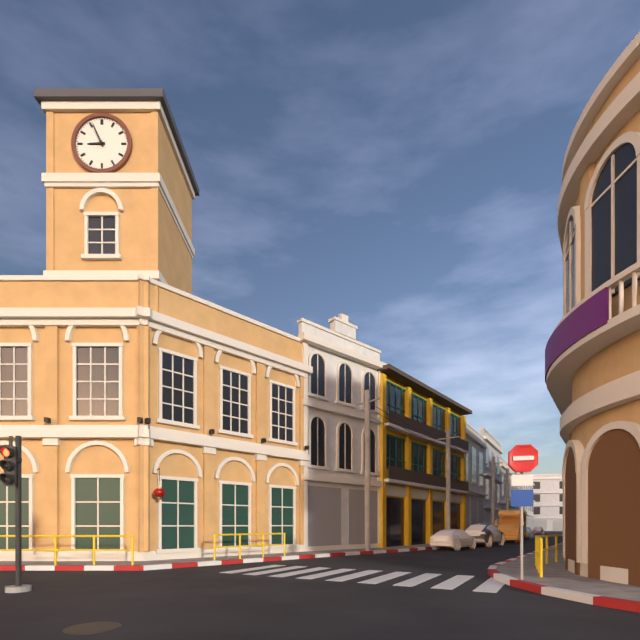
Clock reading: 8h56
